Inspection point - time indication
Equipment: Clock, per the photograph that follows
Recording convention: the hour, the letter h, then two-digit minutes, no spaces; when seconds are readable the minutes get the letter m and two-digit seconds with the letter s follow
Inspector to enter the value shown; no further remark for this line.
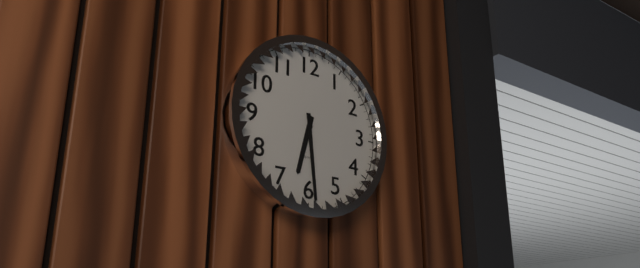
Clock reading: 6h29
